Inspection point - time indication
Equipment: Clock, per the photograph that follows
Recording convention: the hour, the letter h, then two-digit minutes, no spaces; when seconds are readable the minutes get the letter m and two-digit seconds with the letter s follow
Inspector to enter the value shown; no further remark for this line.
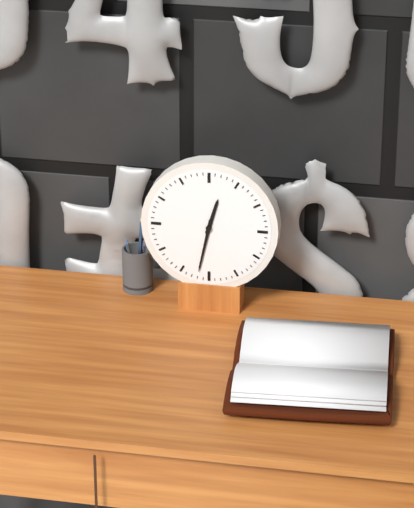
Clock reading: 12h32
